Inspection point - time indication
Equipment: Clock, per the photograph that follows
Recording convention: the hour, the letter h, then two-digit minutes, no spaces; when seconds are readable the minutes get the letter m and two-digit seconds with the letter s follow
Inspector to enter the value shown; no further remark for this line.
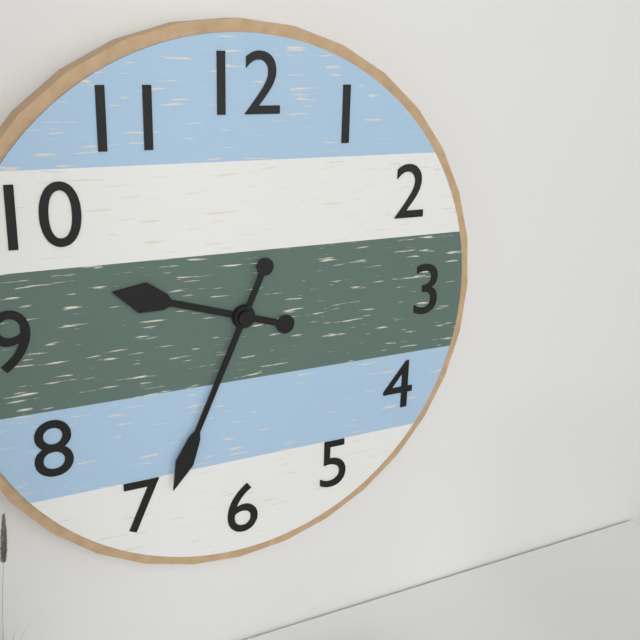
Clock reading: 9h34
